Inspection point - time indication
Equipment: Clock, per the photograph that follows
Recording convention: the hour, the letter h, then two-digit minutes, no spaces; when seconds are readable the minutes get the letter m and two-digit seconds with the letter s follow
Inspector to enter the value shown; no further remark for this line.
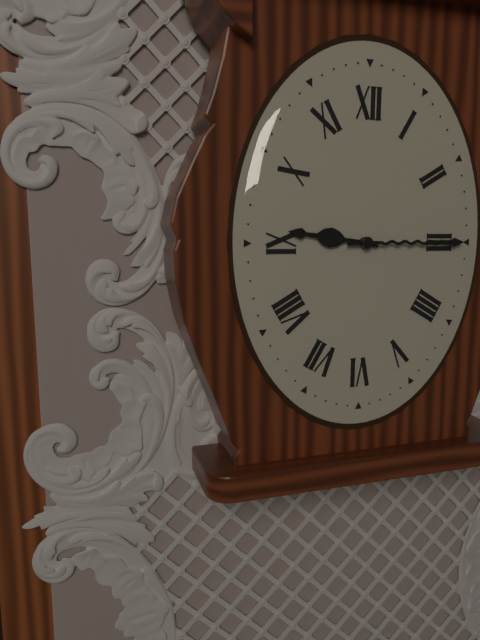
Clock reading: 9h15
